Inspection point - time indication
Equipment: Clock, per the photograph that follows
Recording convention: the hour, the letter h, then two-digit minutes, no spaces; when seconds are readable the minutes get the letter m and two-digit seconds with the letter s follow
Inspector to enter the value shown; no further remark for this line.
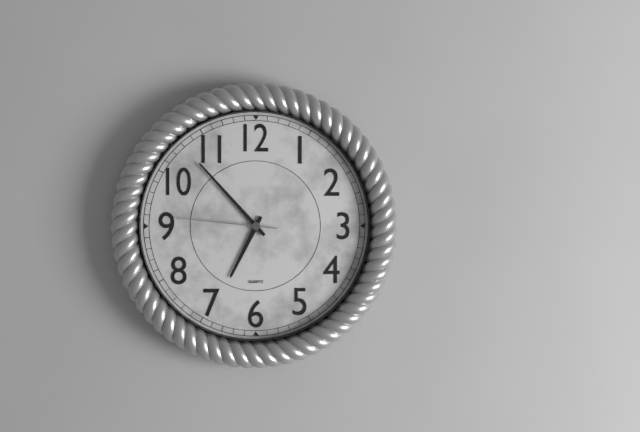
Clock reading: 6h53m46s
